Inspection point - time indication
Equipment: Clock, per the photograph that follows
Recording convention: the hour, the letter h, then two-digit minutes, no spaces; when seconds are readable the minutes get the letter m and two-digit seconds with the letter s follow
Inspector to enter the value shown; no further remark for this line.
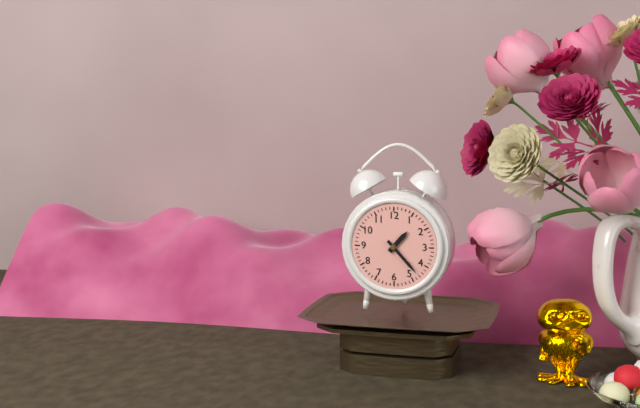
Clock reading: 1h23
